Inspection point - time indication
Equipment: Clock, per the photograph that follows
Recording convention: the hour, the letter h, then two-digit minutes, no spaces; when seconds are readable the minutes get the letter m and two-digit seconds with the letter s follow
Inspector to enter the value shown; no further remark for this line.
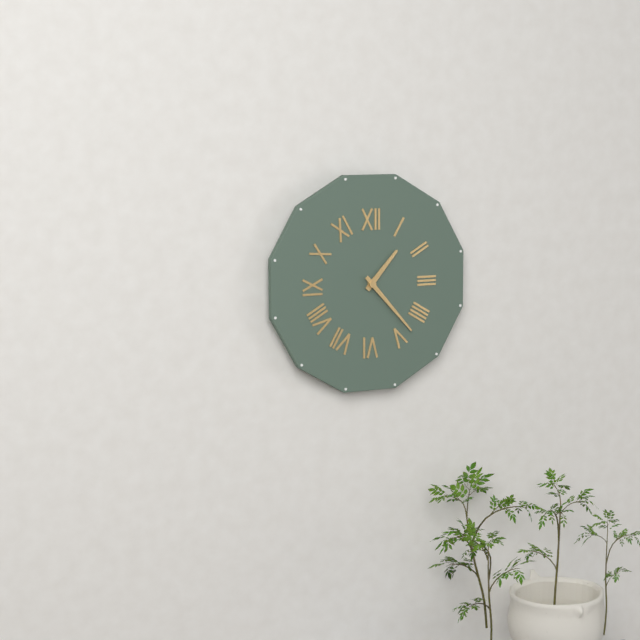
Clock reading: 1h23
